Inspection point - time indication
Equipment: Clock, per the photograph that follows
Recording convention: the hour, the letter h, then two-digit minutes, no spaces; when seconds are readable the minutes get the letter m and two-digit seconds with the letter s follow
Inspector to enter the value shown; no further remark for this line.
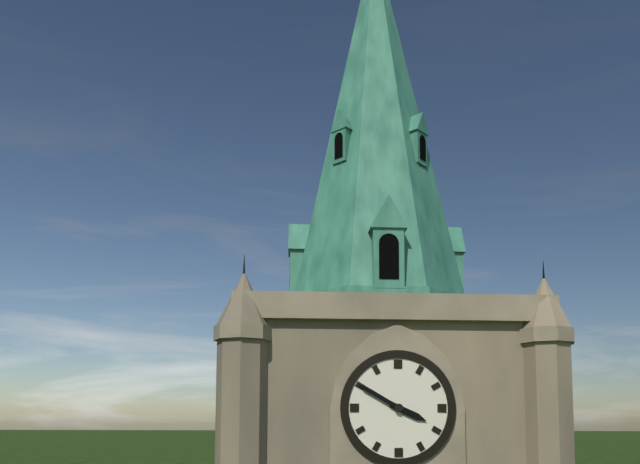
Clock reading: 3h50
